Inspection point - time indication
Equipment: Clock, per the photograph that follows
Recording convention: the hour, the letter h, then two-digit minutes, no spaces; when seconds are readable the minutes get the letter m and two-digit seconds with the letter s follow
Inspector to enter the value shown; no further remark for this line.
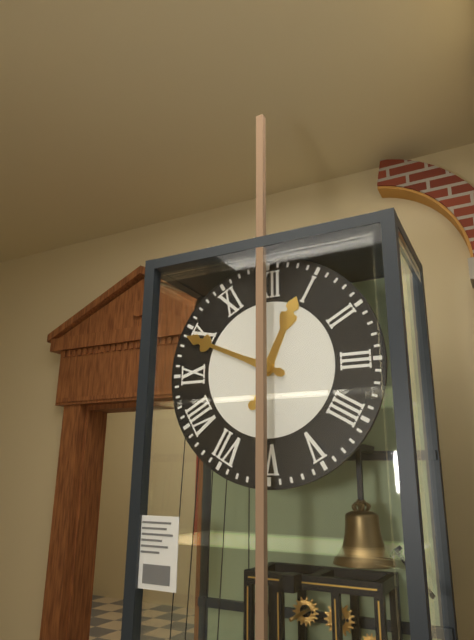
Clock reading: 12h49
